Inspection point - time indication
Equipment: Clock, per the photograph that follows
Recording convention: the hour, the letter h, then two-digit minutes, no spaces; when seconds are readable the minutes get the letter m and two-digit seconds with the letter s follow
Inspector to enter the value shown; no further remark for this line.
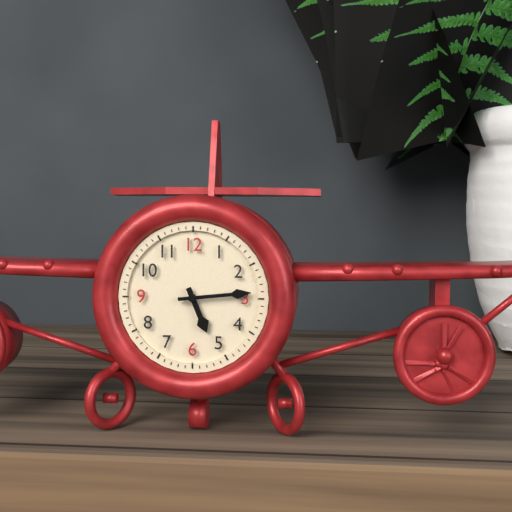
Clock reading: 5h14
